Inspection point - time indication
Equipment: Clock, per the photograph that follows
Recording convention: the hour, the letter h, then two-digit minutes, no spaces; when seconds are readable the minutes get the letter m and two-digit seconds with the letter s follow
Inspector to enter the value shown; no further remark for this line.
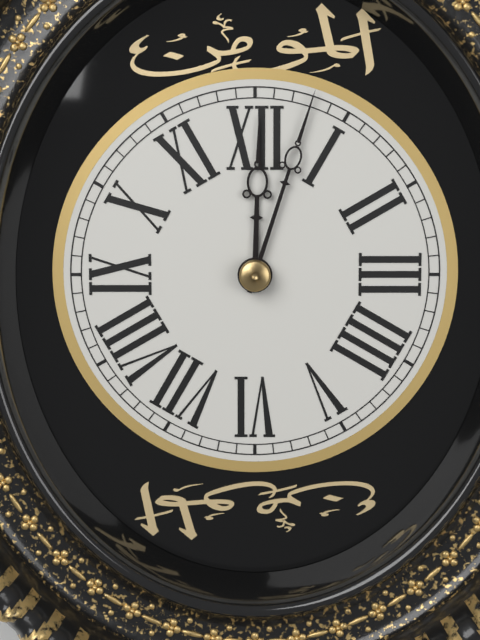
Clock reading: 12h03
